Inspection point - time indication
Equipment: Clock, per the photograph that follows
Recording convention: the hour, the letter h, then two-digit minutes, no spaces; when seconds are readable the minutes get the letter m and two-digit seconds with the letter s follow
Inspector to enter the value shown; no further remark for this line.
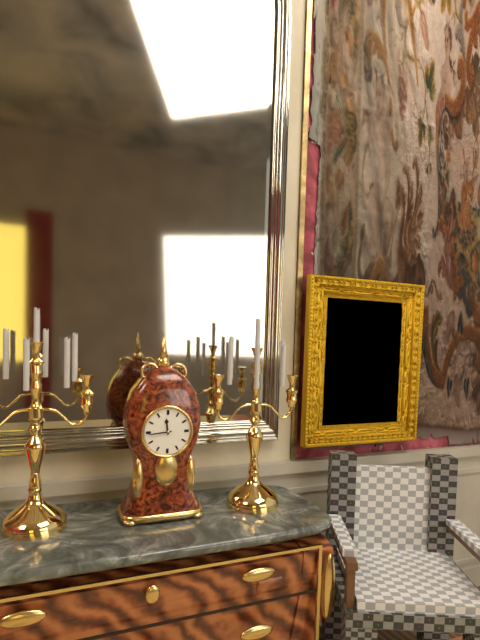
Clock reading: 11h44
